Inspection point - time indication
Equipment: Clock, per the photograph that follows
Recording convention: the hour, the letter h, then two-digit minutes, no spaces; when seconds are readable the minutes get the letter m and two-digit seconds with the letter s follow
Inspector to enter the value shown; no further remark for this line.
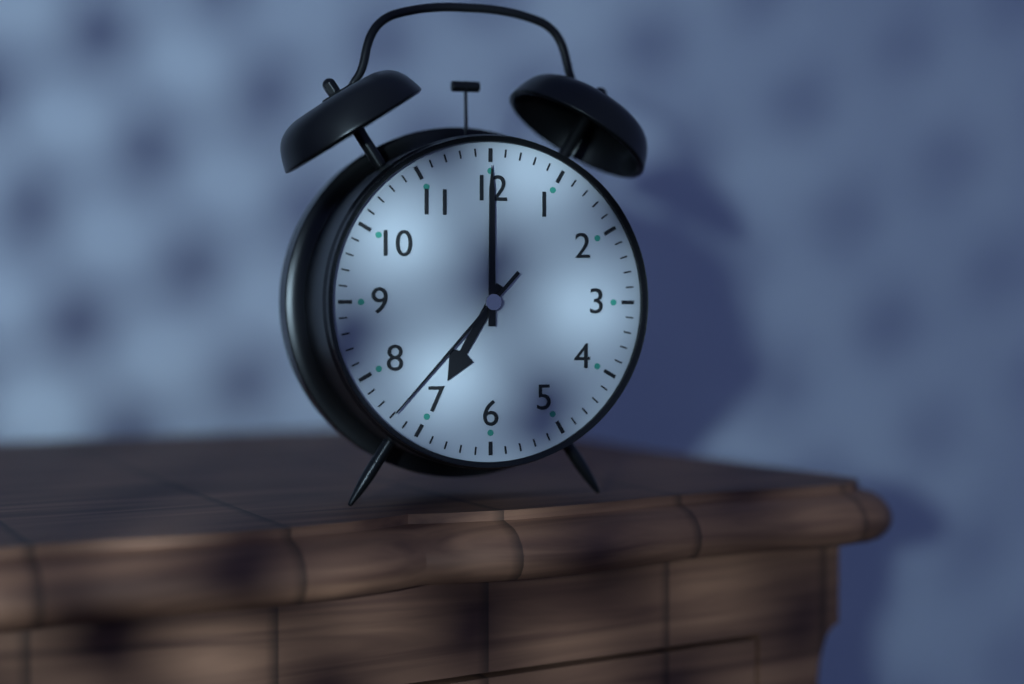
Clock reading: 7h00m37s
